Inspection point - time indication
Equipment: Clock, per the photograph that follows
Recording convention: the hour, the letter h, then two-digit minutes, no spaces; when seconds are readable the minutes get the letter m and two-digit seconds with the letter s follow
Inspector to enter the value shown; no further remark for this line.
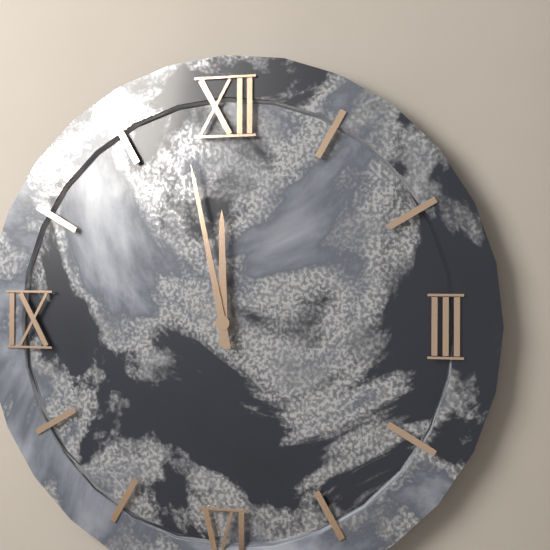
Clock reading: 11h58
